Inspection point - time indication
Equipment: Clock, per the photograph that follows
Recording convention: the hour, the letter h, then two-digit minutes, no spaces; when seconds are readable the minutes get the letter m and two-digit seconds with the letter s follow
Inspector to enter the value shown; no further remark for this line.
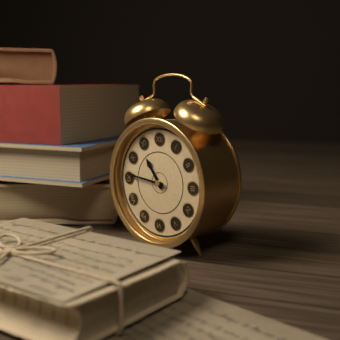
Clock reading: 10h46
